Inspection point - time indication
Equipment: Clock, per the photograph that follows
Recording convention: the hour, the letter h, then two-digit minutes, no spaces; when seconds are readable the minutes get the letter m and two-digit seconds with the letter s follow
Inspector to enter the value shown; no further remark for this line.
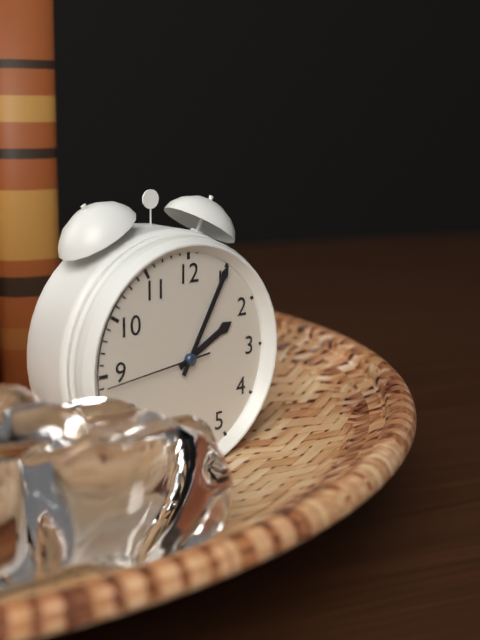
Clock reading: 2h05m44s
